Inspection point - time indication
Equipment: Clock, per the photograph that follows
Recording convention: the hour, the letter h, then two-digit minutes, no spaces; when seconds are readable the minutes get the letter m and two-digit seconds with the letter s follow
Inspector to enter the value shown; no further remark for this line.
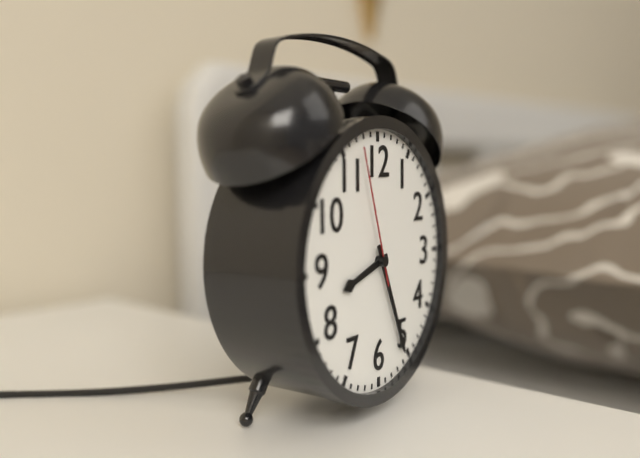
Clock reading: 8h26m57s
